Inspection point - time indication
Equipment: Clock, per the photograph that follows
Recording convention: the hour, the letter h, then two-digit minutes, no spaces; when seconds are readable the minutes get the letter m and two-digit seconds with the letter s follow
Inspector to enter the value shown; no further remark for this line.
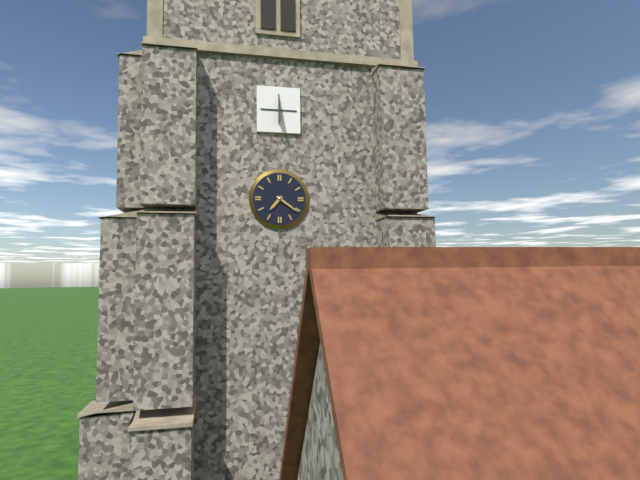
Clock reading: 7h21
